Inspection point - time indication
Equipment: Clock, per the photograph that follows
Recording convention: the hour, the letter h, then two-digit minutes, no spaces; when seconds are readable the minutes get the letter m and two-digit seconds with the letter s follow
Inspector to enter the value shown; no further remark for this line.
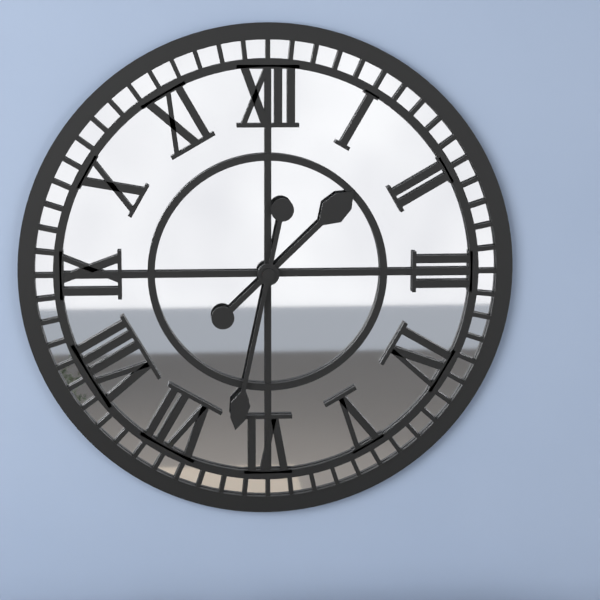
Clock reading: 1h32
